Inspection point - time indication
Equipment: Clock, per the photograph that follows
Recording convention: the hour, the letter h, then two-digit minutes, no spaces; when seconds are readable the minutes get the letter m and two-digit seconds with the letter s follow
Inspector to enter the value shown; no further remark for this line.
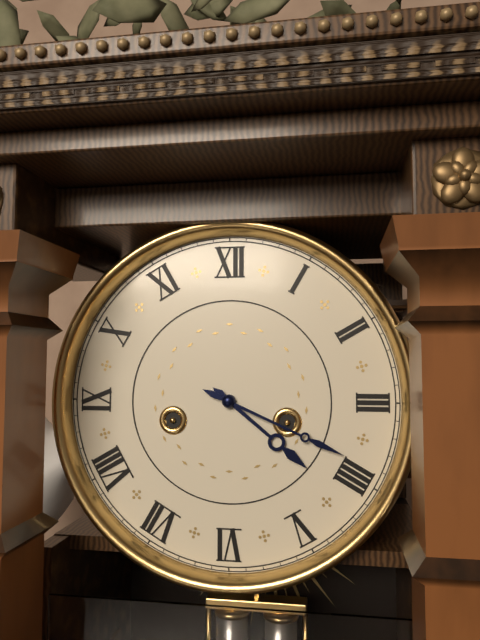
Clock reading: 4h19
